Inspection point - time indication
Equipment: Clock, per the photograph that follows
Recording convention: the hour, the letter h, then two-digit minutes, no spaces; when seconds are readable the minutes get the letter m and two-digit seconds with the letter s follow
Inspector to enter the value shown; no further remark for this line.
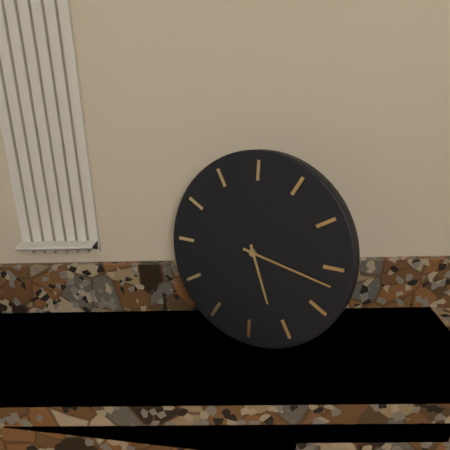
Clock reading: 5h17
